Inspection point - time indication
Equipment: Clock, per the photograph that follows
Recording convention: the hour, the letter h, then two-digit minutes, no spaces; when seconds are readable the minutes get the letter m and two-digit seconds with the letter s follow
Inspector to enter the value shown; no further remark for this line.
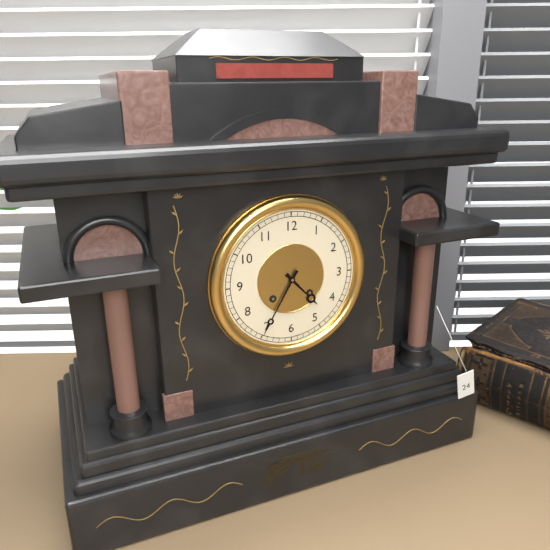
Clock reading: 4h35
